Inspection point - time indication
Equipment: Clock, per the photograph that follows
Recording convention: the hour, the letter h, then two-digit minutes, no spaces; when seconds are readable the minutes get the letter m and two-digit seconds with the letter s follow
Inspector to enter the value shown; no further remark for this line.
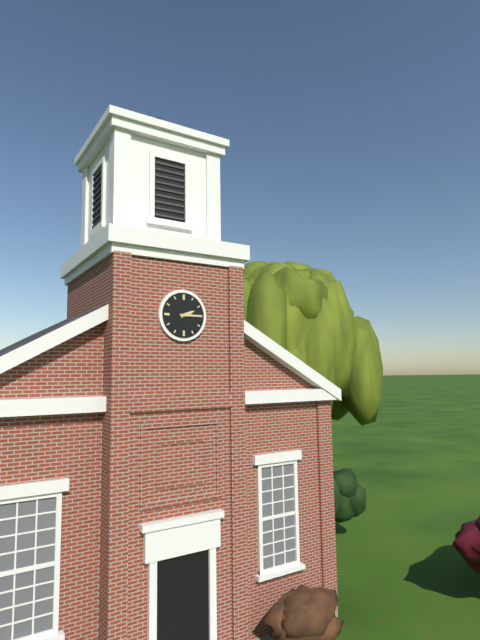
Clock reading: 2h15
